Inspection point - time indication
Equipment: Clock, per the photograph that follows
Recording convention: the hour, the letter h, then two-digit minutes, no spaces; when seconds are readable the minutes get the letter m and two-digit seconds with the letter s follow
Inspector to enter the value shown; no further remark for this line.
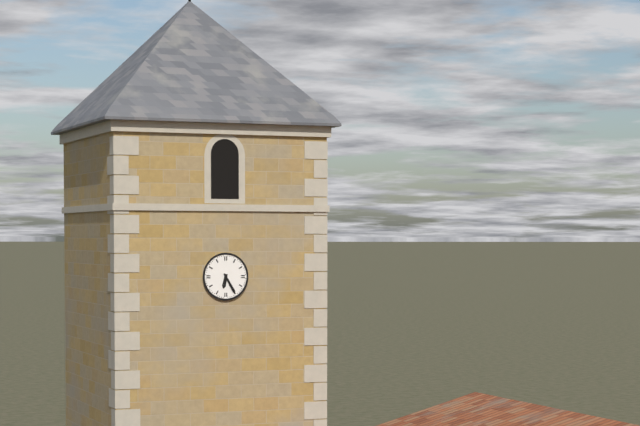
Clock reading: 6h25
